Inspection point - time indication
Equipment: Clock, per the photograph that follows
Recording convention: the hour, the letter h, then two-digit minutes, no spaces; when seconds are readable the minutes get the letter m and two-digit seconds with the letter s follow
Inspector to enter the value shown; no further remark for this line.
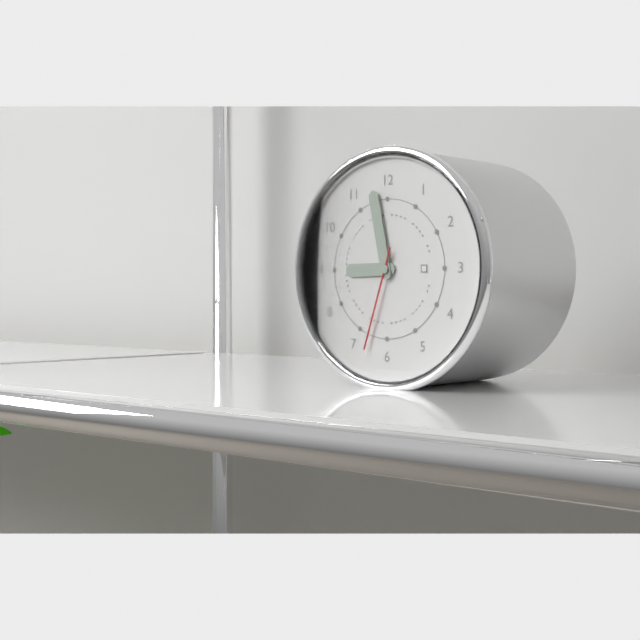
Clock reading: 8h58m33s
